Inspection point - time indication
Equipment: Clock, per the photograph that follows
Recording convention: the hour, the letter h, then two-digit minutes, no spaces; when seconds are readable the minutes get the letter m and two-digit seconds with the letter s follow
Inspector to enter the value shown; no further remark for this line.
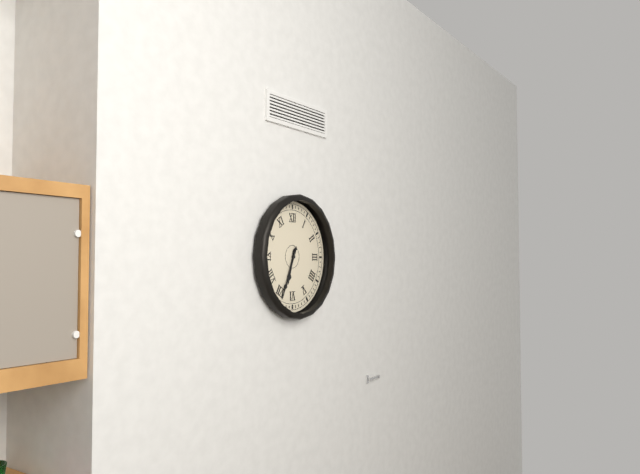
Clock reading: 6h34
